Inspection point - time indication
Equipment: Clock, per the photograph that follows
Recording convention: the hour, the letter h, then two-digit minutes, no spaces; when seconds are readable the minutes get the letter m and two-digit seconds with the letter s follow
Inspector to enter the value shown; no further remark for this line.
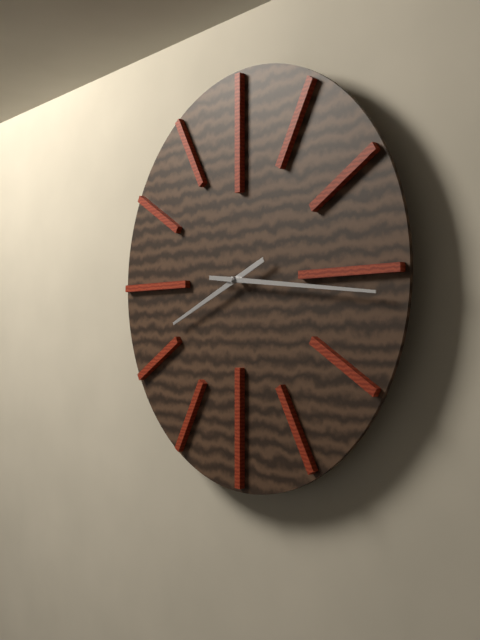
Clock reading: 8h16
